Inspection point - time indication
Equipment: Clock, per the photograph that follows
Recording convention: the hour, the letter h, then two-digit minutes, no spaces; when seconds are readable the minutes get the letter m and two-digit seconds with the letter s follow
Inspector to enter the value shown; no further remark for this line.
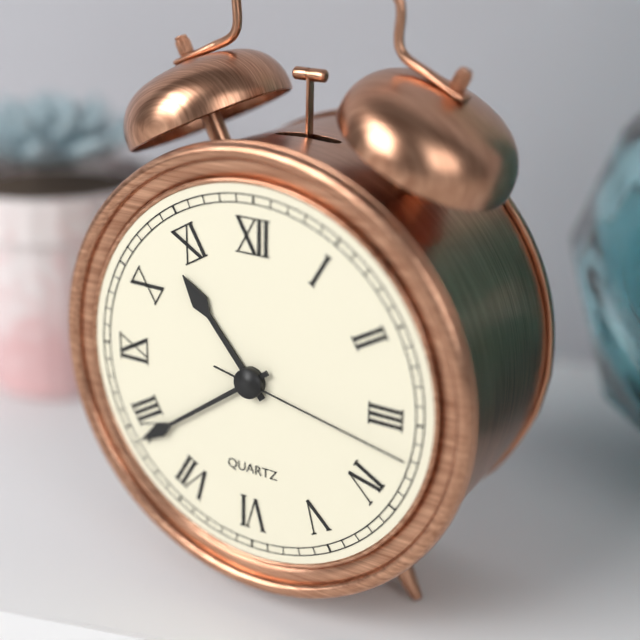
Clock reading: 10h39m17s
